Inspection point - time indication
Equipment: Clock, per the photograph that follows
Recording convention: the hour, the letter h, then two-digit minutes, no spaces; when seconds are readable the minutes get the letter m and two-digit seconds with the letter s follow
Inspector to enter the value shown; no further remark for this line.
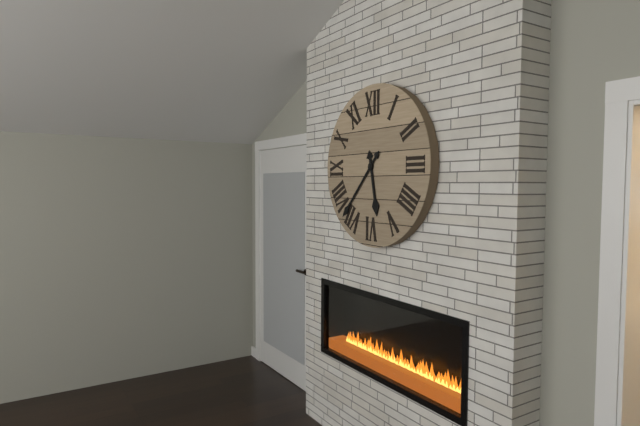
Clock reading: 5h37
